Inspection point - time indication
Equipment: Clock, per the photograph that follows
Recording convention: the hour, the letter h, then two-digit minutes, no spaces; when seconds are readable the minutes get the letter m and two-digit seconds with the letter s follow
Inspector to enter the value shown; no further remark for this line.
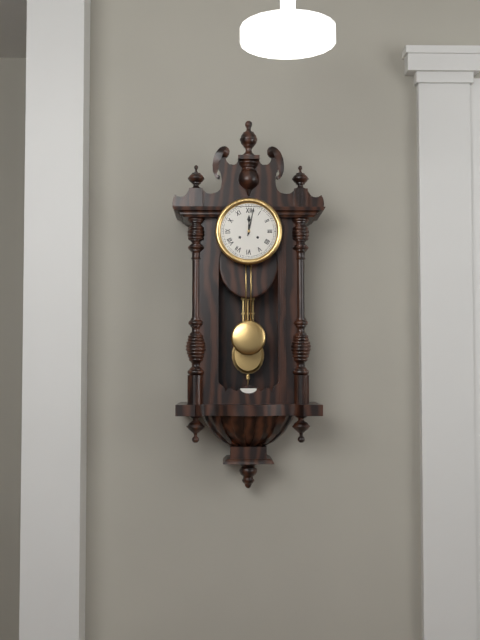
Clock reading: 12h02
